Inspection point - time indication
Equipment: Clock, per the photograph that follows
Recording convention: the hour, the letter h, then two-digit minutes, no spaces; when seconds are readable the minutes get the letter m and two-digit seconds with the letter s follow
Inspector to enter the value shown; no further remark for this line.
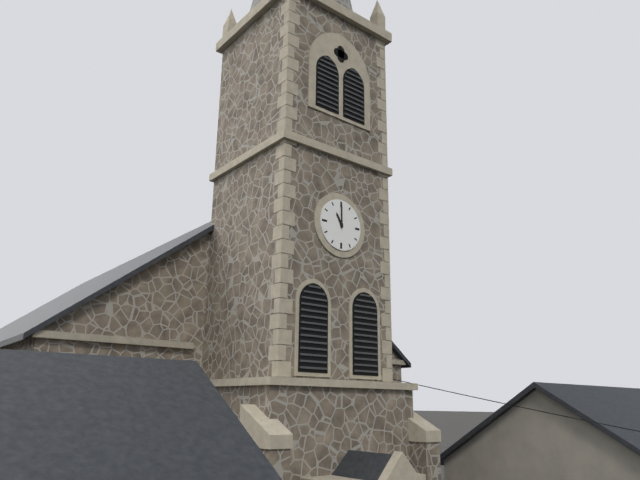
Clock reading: 11h00
